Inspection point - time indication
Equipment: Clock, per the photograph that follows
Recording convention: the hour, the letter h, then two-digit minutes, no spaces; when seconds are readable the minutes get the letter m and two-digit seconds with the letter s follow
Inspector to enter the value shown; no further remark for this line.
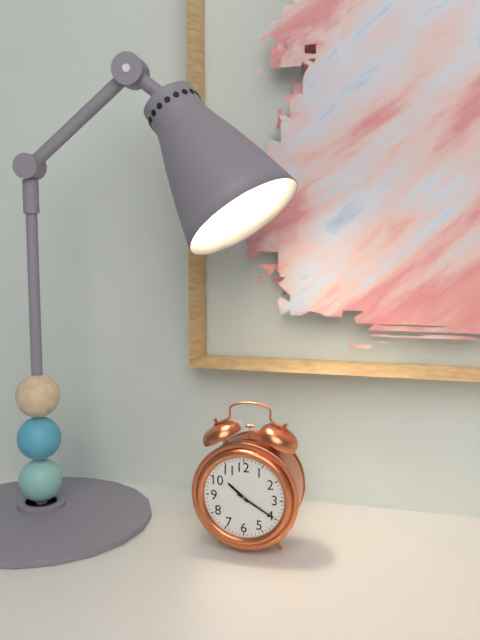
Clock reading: 10h20
